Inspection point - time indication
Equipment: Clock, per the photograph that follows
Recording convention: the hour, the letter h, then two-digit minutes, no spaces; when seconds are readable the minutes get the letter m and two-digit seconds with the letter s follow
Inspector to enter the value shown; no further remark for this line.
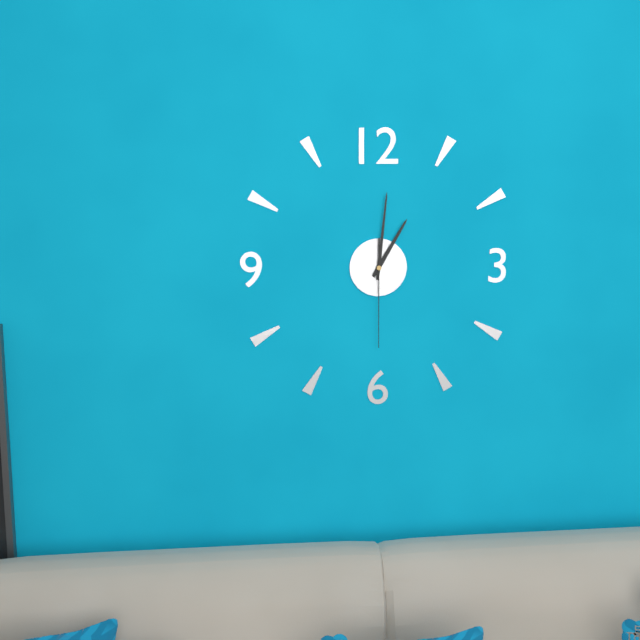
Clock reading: 1h01m30s
